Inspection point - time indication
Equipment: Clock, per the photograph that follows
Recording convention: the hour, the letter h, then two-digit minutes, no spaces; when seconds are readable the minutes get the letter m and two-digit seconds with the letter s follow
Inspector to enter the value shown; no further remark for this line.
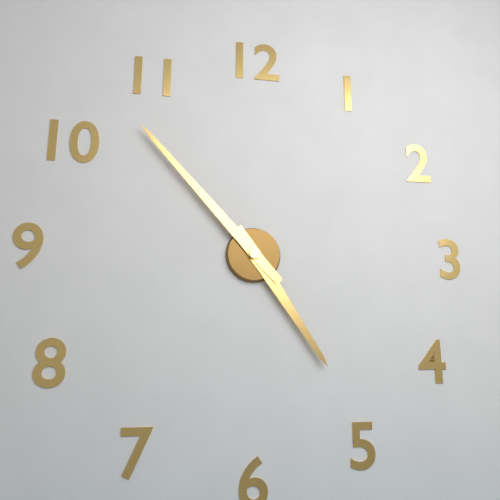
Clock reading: 4h53
